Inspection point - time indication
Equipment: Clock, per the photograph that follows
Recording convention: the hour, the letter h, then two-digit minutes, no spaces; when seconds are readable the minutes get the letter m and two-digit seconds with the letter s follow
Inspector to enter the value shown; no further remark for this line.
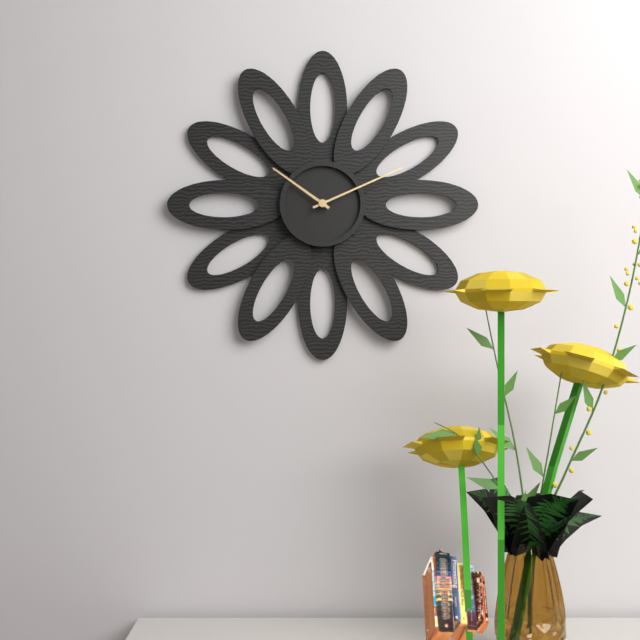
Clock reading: 10h11
